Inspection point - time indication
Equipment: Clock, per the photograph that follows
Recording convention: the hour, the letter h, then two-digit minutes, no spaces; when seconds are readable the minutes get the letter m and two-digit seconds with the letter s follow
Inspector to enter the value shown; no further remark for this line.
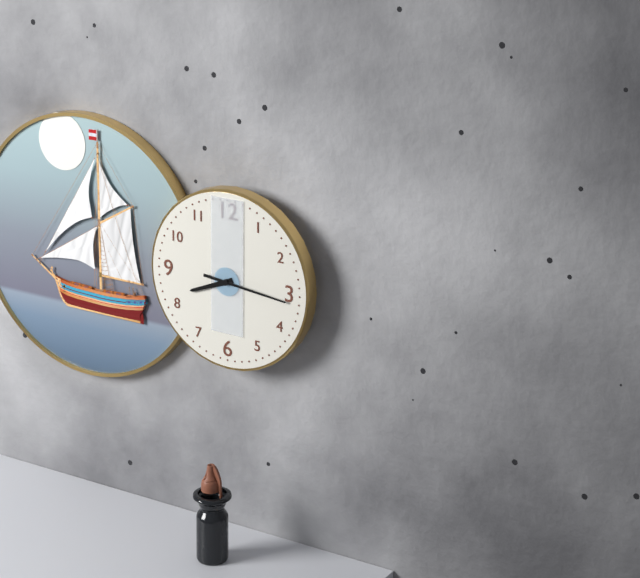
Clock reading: 8h16
